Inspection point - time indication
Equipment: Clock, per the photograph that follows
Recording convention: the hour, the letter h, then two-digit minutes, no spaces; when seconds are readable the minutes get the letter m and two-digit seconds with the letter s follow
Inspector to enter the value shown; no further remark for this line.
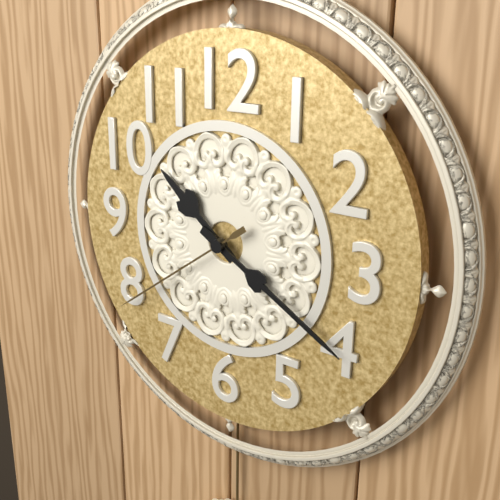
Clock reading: 10h20m39s
